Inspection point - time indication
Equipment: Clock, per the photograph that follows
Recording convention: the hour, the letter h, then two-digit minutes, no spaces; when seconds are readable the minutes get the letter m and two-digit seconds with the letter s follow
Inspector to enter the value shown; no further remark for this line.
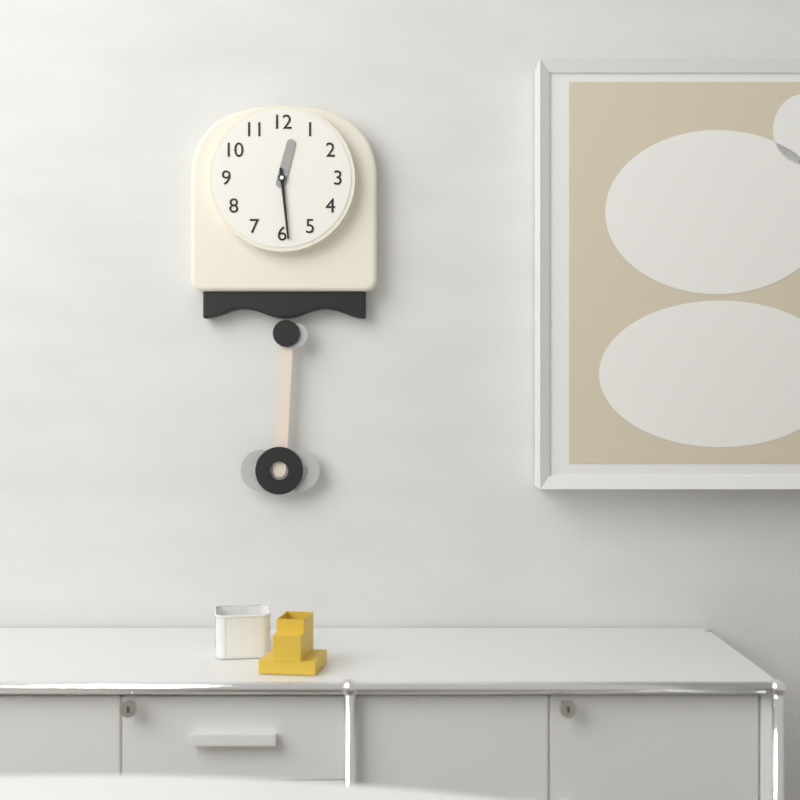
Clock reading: 12h29
